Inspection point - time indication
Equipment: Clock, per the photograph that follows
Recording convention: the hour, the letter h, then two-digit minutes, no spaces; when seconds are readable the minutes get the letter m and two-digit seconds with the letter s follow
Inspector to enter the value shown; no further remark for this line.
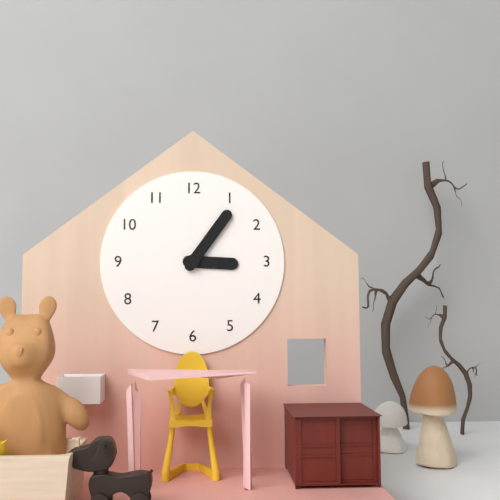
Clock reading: 3h06
